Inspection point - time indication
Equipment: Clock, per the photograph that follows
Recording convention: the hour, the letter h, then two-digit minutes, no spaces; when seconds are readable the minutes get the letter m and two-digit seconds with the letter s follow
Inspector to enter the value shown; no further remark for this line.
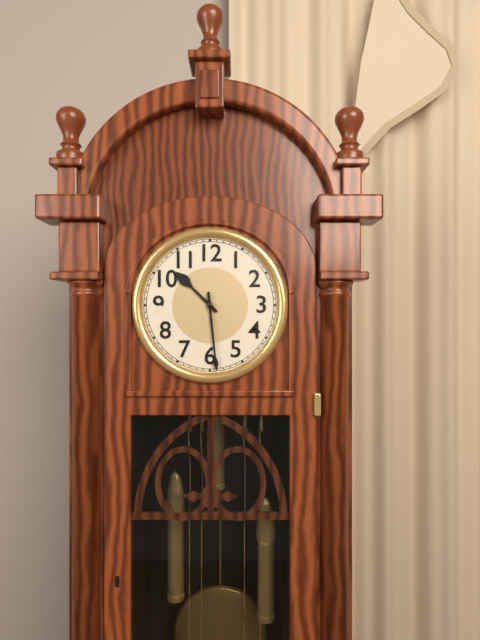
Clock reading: 10h29
